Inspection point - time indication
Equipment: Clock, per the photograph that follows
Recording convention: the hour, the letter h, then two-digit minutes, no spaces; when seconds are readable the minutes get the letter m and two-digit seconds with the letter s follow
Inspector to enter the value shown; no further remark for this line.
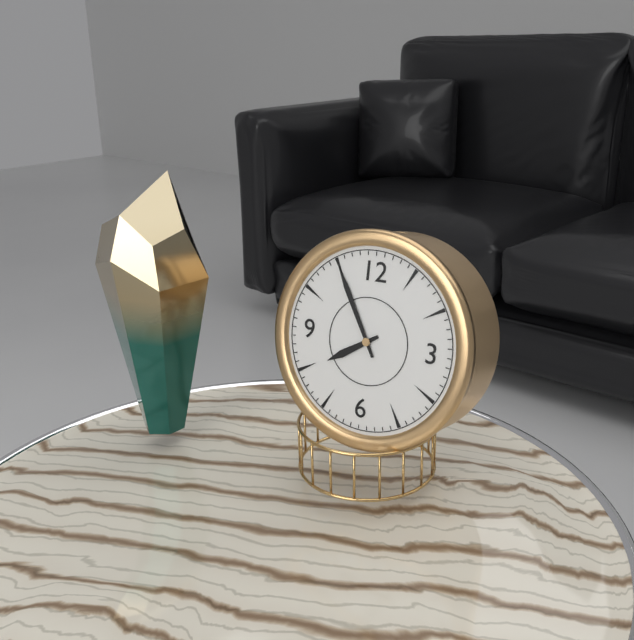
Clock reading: 7h55
